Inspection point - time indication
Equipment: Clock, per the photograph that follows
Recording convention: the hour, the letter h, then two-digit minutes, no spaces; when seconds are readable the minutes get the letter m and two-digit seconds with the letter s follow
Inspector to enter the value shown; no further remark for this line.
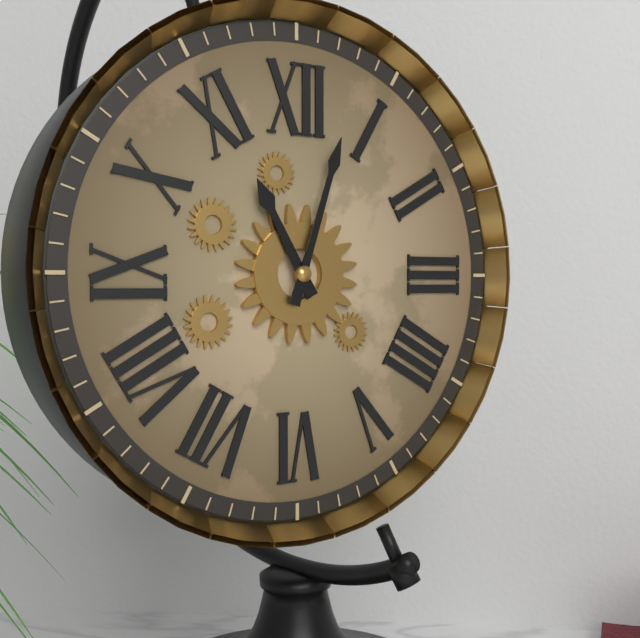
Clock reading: 11h03
